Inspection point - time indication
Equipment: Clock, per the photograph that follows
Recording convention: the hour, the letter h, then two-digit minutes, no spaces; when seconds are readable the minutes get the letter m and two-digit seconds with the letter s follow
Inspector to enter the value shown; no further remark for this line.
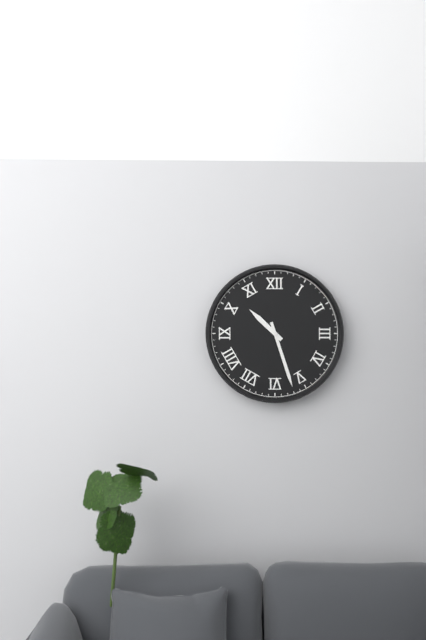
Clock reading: 10h27
